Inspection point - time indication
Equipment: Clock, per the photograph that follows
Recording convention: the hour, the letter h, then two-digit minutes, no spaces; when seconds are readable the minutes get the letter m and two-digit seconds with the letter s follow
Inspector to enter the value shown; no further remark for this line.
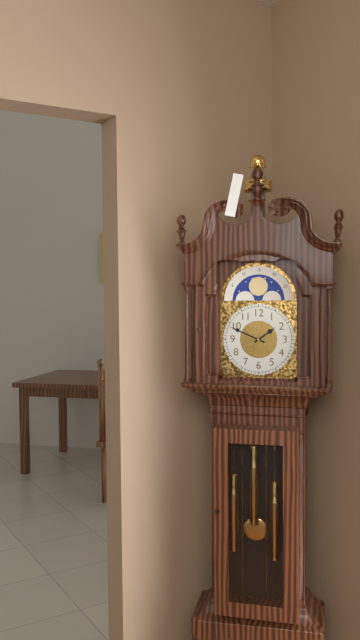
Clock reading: 1h49
